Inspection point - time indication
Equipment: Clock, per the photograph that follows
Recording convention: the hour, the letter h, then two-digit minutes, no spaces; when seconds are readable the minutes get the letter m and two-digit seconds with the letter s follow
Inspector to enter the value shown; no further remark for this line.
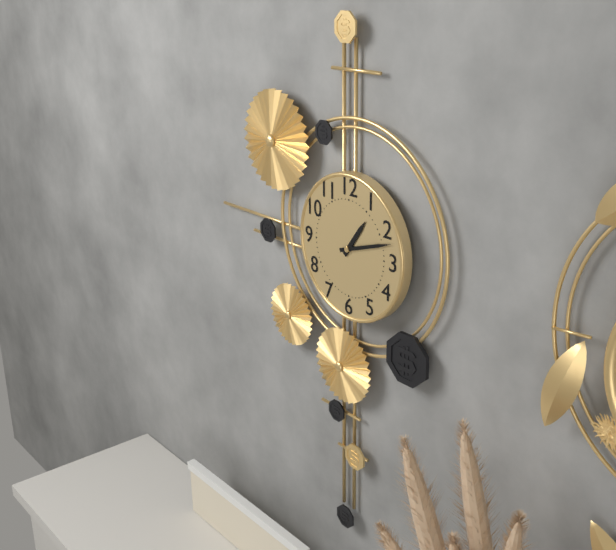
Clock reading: 1h12
